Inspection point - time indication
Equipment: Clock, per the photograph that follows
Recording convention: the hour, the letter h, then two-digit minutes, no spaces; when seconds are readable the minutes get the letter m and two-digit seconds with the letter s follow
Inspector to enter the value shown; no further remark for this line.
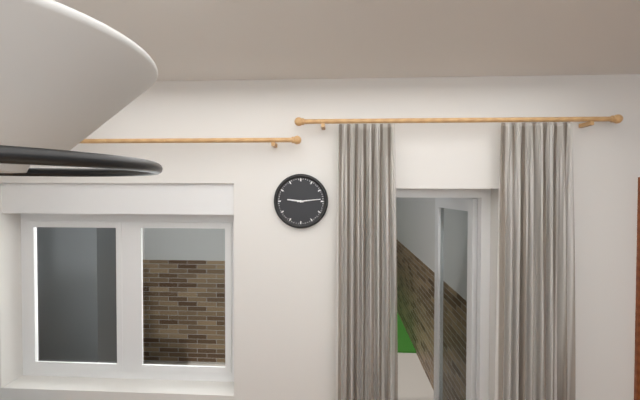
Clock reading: 9h14
